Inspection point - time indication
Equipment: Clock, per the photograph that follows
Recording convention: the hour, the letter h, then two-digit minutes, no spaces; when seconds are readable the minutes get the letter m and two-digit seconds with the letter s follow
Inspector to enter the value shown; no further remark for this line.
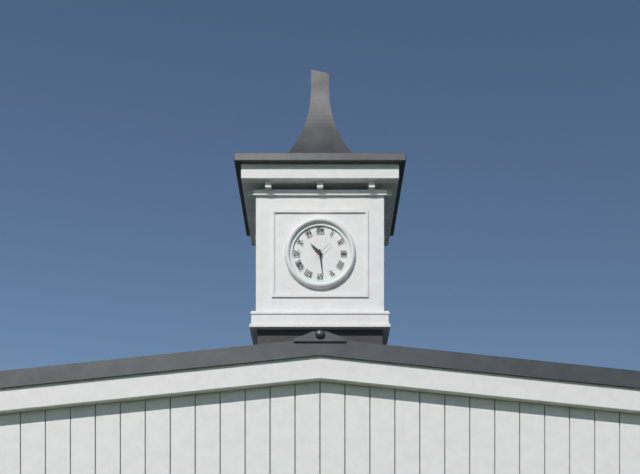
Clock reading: 10h29
